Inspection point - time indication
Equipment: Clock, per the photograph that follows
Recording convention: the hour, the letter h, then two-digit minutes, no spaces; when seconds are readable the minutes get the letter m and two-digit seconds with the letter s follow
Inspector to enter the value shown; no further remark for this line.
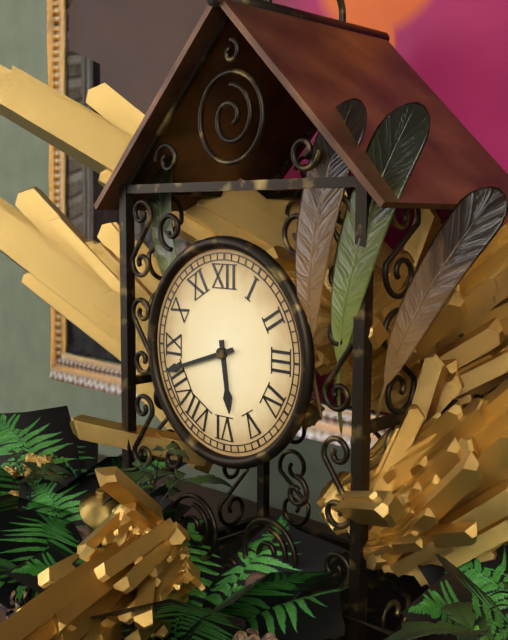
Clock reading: 5h42
